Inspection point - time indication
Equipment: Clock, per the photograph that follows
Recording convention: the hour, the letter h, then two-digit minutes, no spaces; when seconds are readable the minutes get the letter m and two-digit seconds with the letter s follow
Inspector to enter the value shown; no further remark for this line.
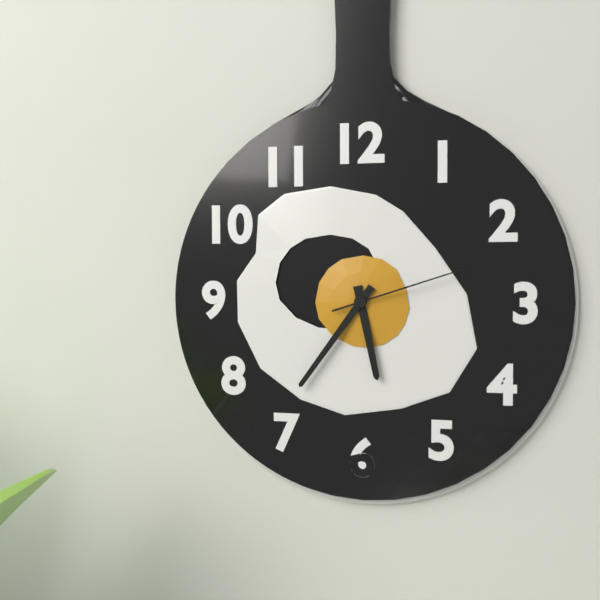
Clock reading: 5h36m12s
